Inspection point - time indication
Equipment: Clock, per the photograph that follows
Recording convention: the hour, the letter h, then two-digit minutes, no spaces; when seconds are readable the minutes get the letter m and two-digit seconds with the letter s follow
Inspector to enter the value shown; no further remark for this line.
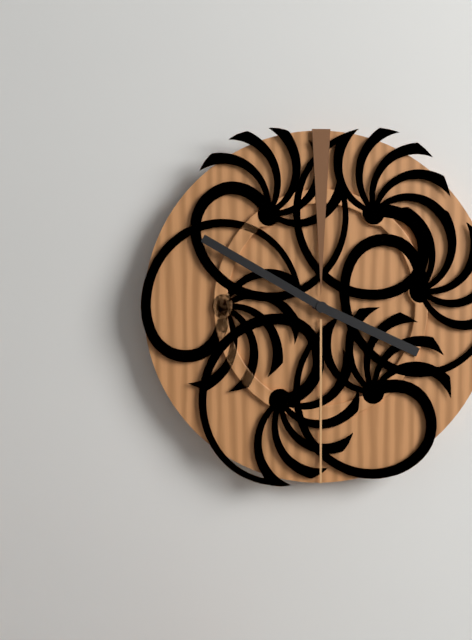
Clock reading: 3h50
